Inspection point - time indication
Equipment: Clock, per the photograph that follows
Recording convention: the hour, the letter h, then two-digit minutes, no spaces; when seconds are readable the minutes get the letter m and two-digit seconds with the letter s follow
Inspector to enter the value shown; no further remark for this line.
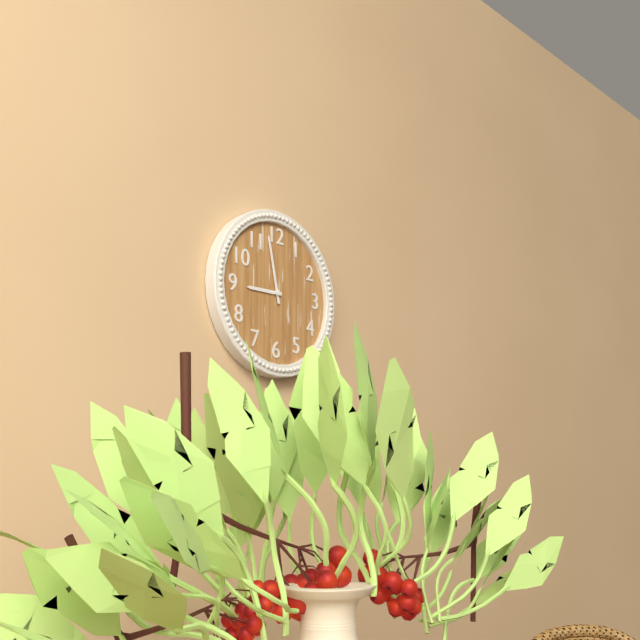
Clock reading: 8h58
